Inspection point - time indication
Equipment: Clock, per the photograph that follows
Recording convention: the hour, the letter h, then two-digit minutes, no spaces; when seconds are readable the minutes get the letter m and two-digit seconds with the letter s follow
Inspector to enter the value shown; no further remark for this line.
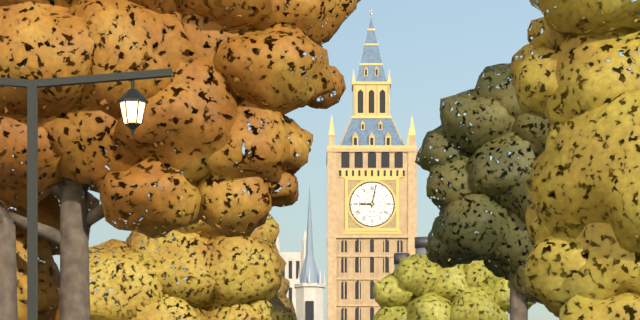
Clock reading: 9h02
